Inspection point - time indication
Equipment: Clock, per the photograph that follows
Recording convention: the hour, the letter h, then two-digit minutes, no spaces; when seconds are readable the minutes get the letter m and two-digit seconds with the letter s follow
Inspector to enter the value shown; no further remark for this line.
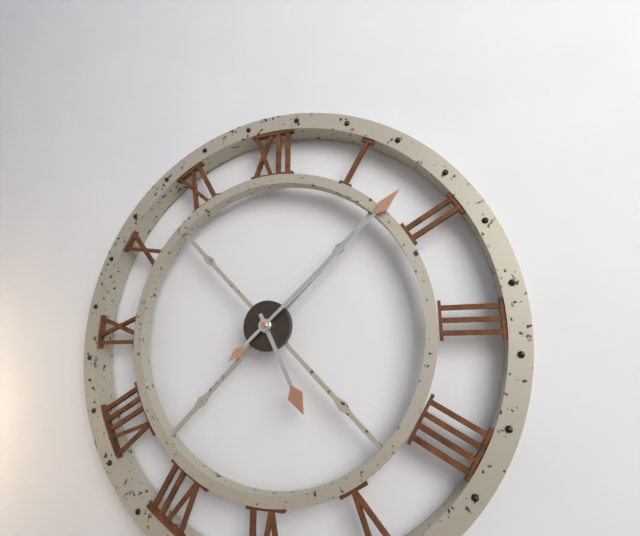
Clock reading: 5h08
